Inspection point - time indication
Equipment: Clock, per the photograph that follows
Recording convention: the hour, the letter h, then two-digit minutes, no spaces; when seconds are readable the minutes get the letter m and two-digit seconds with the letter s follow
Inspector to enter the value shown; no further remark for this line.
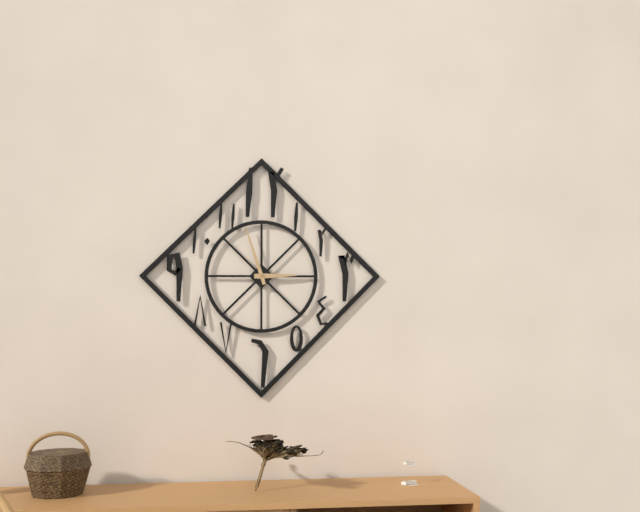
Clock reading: 2h57
